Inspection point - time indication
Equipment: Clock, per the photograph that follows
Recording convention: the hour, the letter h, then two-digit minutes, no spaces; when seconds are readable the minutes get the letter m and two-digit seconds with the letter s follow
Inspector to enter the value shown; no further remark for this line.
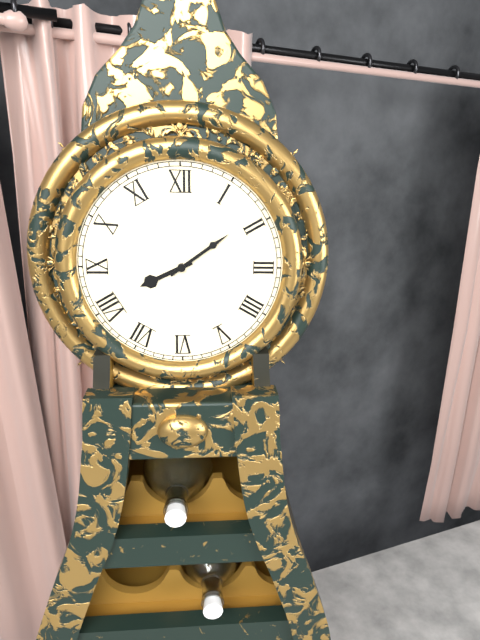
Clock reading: 8h09
